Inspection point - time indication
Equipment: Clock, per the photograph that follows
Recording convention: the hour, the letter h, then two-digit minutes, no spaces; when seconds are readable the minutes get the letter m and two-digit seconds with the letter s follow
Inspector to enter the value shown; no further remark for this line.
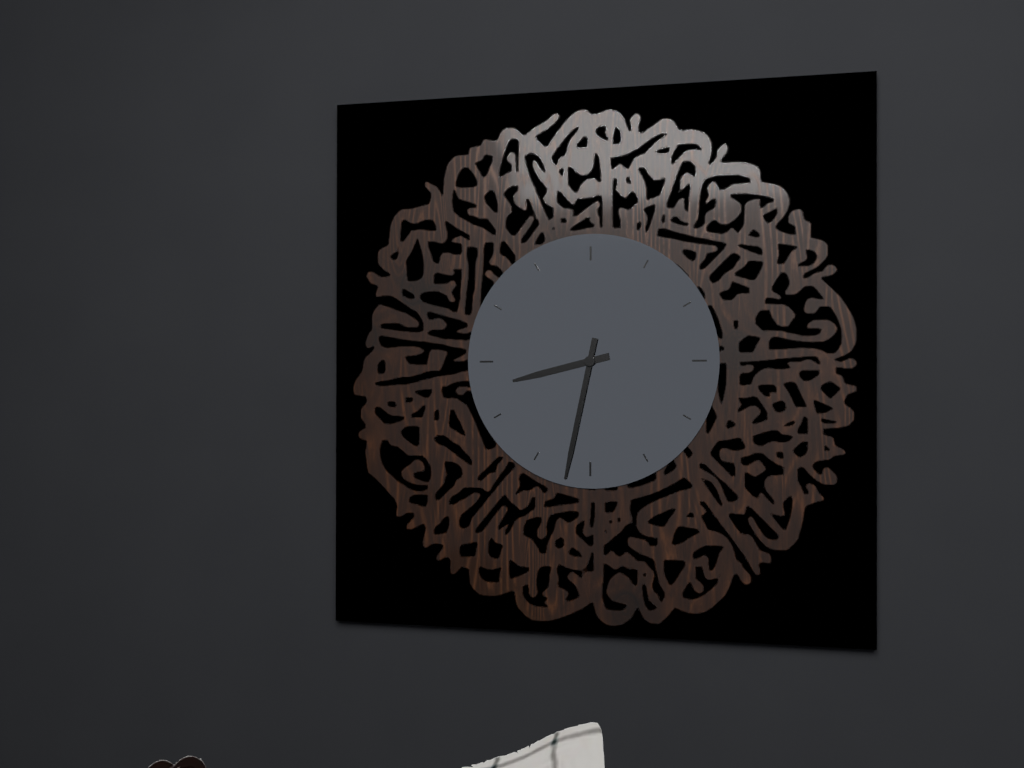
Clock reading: 8h32
